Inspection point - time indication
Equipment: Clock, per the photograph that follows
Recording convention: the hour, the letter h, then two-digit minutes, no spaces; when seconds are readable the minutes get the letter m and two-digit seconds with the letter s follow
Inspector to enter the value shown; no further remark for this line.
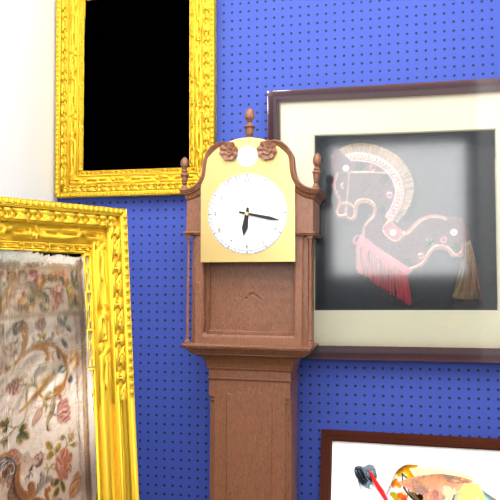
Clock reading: 6h17
